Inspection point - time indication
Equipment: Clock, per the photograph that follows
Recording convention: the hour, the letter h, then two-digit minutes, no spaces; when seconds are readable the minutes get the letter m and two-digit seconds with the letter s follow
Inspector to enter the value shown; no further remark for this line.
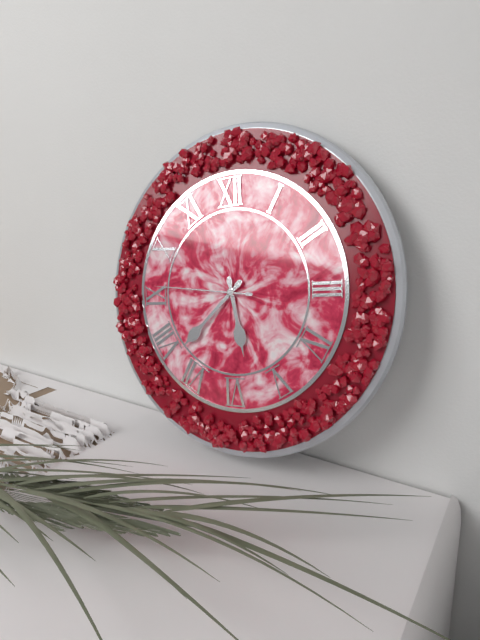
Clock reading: 5h38m46s
